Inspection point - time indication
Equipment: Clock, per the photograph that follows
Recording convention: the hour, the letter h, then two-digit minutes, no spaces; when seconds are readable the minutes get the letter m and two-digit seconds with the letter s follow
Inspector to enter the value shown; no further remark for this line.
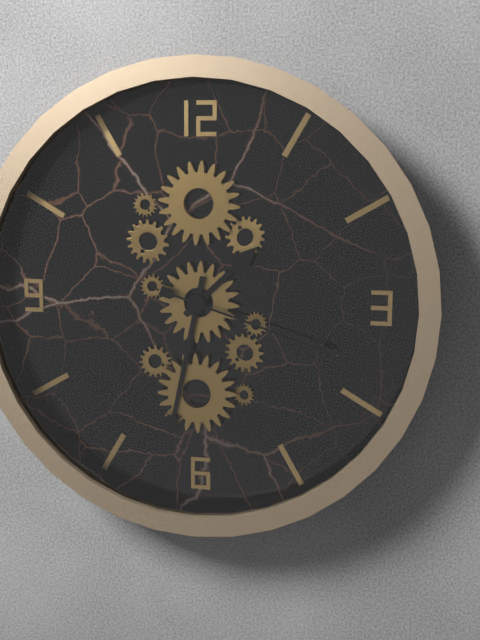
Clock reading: 1h32m18s
